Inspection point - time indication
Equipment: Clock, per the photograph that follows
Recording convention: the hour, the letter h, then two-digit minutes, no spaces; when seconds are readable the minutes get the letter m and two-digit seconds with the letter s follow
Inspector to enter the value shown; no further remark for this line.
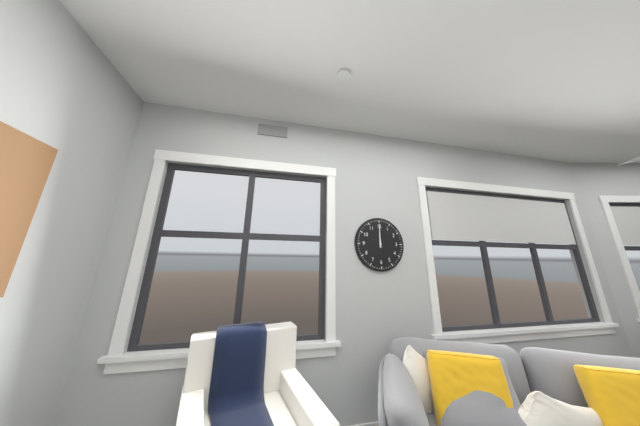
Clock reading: 12h00
